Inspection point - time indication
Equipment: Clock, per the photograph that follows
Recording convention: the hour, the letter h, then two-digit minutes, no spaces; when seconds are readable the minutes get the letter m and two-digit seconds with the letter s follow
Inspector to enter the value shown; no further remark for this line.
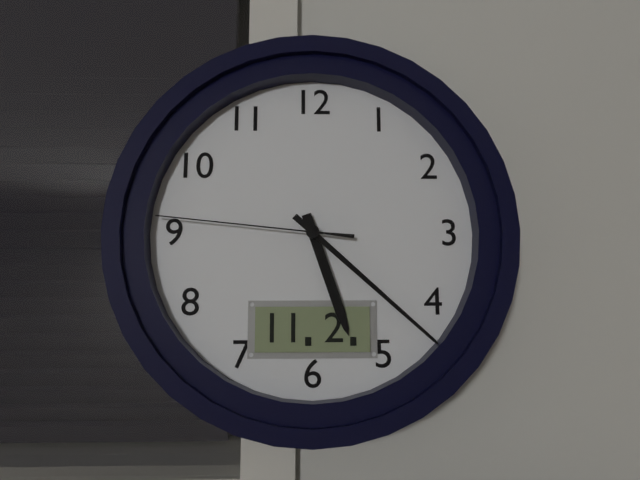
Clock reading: 5h22m46s
